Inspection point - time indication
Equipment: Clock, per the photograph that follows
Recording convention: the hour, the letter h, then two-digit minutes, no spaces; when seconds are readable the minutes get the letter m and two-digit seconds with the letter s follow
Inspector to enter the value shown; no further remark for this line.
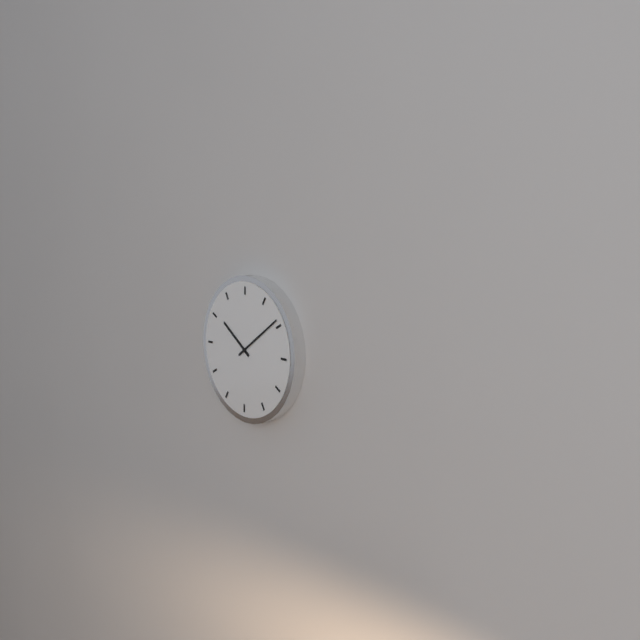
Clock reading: 10h09
